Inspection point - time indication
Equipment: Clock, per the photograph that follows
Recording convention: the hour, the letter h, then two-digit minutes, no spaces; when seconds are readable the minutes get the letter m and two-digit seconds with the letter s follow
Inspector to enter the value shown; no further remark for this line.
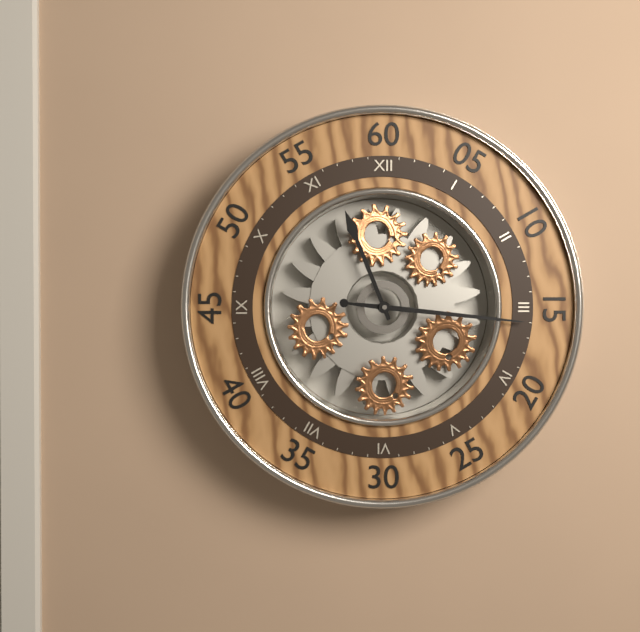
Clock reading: 11h16
